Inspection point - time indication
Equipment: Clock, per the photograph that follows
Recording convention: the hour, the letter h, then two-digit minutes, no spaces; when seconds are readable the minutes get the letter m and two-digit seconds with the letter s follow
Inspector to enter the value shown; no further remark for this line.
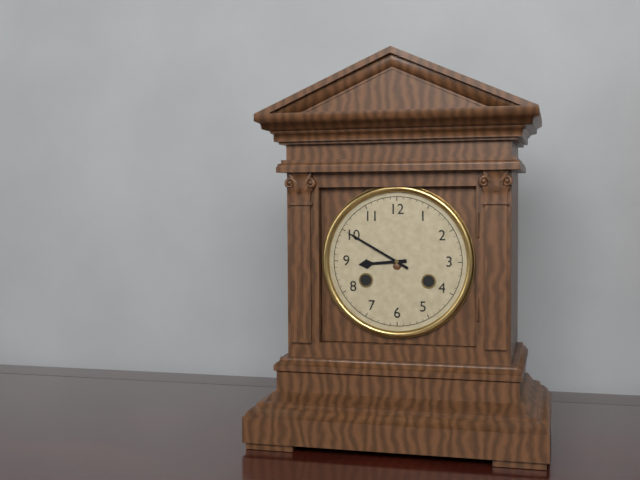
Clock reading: 8h50
